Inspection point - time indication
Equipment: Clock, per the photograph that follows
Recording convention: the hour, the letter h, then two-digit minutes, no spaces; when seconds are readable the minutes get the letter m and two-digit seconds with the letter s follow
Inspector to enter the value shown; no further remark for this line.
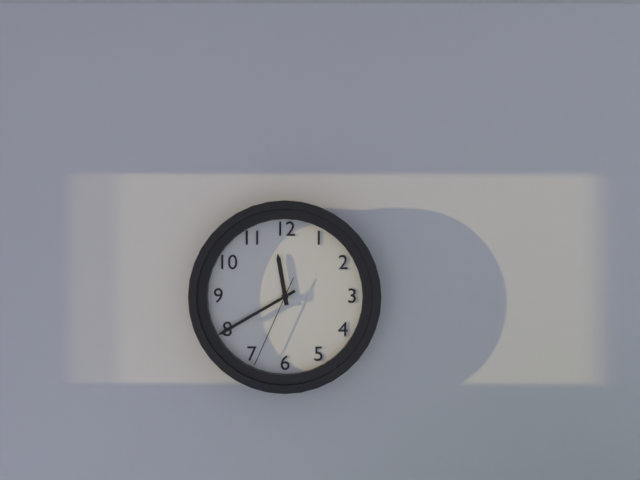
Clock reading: 11h40m34s
